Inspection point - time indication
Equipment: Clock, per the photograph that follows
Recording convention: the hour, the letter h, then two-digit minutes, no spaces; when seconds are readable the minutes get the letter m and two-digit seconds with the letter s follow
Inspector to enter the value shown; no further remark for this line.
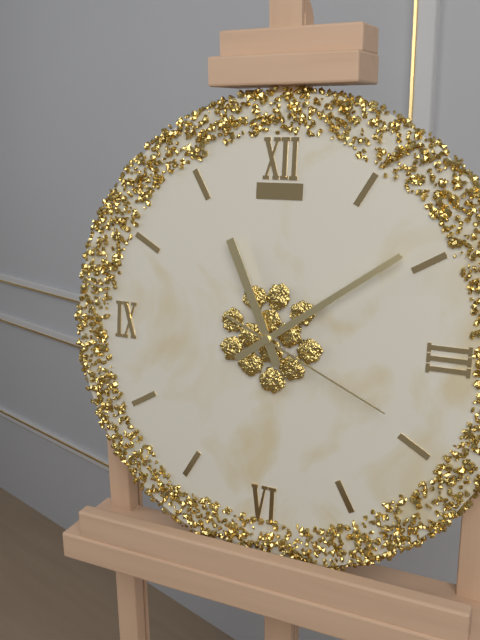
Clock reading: 11h09m19s
